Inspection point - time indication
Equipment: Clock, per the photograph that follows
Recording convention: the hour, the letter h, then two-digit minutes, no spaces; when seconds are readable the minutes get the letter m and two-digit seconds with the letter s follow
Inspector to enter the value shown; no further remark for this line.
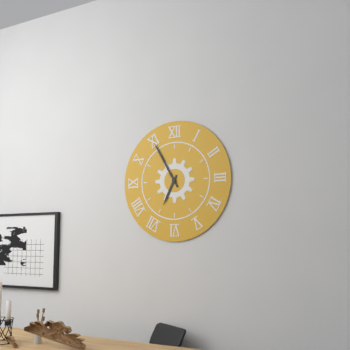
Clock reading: 6h55
